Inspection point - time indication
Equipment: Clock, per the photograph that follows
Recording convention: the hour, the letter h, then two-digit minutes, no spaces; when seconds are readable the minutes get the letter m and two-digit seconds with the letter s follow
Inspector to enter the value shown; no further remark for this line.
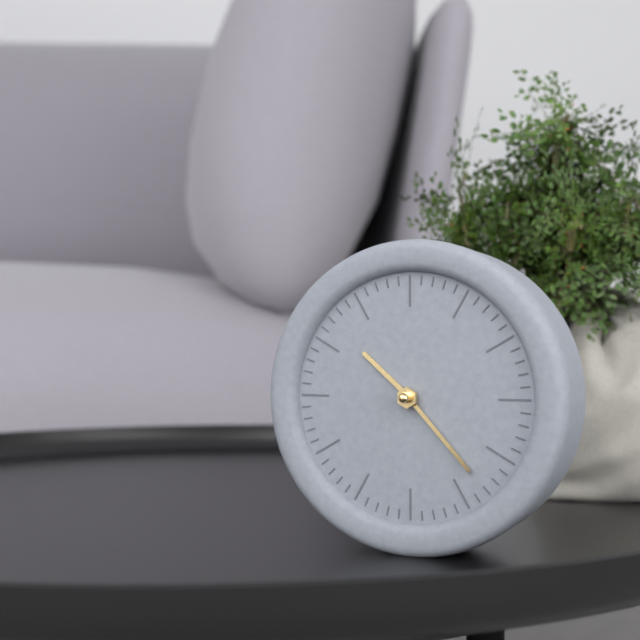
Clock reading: 10h23
